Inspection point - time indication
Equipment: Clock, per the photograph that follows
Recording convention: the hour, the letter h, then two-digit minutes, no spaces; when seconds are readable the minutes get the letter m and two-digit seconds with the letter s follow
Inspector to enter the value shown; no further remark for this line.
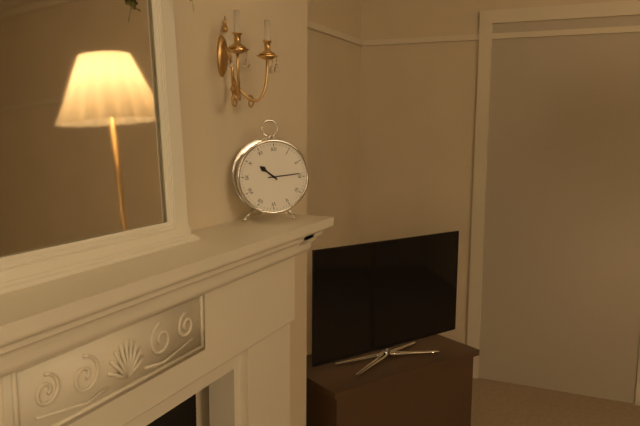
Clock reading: 10h14
